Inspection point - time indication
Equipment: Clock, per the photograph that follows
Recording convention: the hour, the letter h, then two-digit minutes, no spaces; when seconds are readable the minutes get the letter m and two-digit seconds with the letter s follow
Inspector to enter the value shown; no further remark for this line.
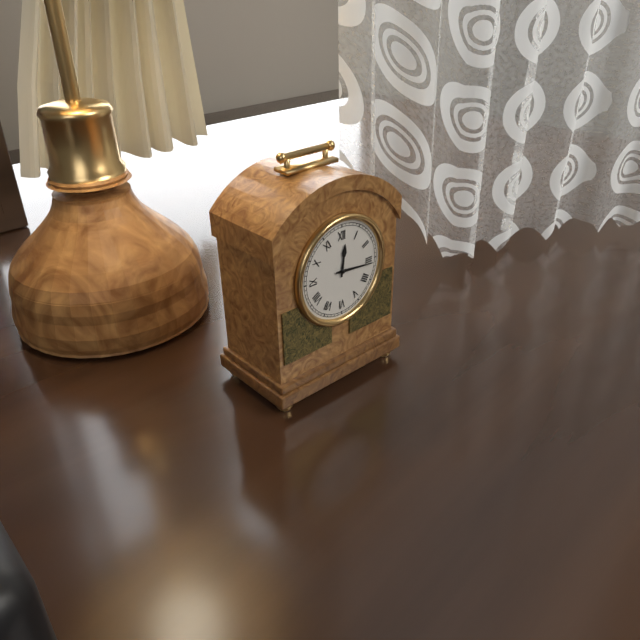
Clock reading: 12h16
